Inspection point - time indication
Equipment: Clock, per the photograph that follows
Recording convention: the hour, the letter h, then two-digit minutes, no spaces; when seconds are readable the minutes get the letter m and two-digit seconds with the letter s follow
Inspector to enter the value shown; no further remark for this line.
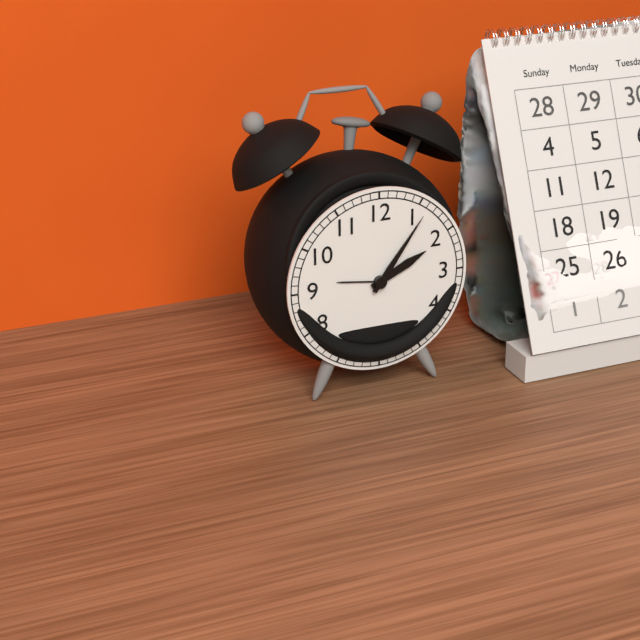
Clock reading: 2h06
